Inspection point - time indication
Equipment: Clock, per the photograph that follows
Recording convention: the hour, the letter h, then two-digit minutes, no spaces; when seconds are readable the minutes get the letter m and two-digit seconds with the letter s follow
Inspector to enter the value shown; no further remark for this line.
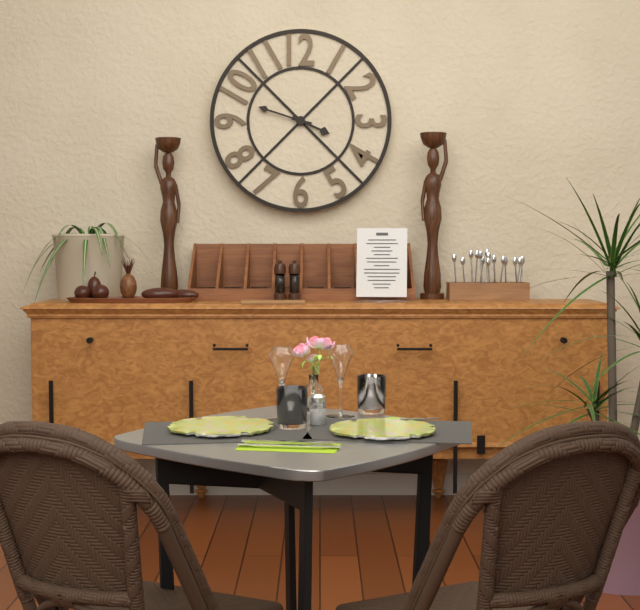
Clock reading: 3h48
